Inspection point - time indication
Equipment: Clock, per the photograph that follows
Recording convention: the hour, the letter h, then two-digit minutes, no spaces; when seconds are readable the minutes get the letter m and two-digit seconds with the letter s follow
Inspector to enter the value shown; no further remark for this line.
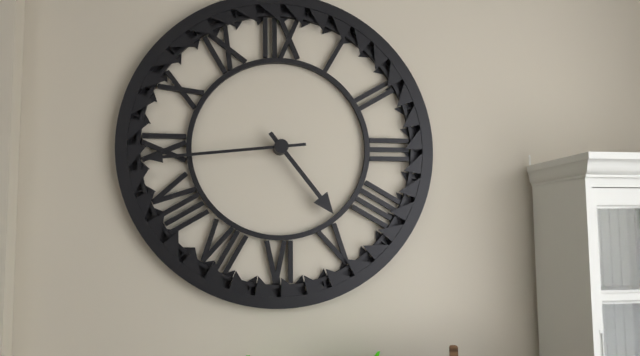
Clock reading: 4h44
